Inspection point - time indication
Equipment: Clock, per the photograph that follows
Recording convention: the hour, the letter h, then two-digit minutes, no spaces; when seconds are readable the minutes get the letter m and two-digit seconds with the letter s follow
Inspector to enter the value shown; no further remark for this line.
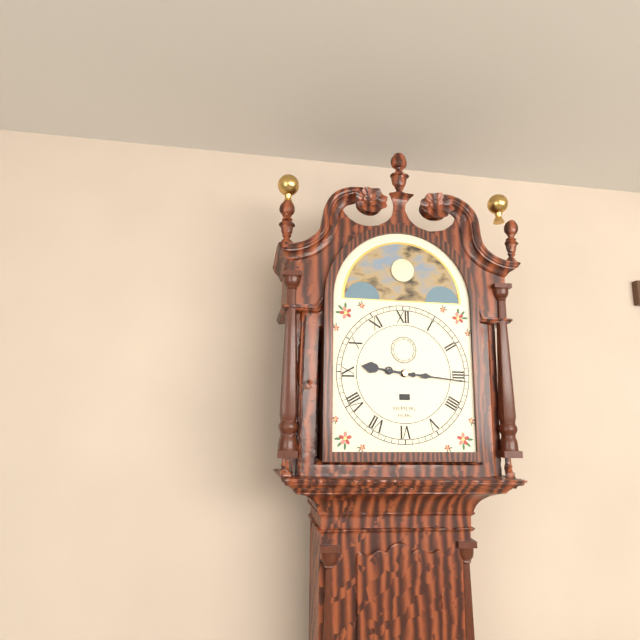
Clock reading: 9h16
